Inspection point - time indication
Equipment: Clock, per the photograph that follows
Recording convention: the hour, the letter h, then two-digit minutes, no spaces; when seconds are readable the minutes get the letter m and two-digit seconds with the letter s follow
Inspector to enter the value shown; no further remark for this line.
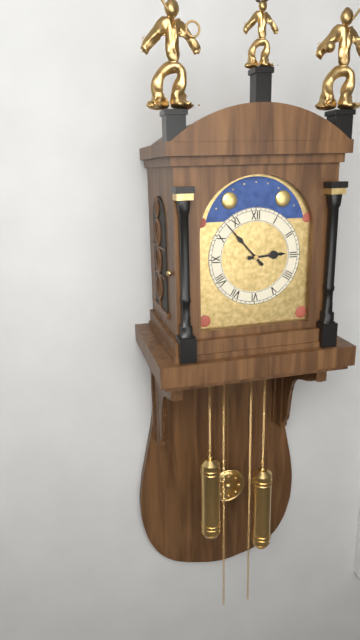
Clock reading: 2h53
